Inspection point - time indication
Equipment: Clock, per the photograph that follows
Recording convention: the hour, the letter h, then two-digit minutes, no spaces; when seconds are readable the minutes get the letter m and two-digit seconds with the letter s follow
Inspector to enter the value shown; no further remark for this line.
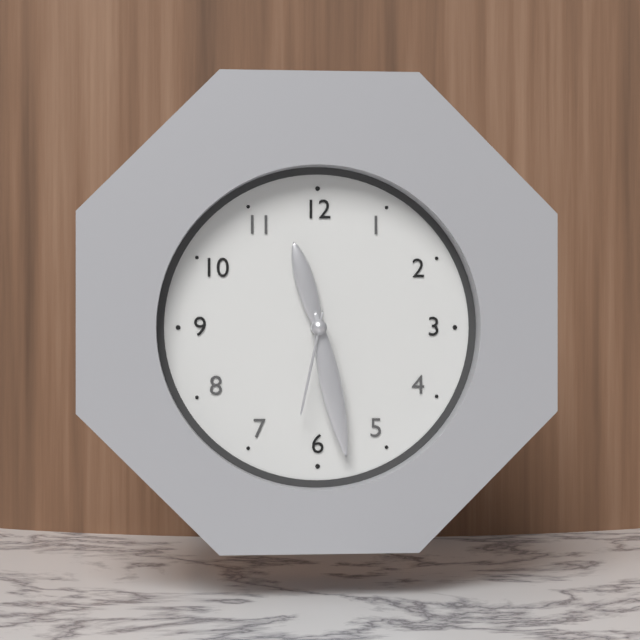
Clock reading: 11h28m32s
